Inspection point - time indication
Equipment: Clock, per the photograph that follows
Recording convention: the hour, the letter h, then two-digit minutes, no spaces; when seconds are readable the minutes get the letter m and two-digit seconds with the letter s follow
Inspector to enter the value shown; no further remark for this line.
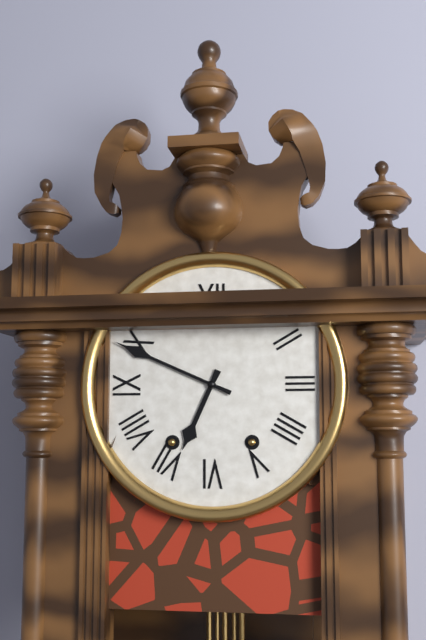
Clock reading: 6h49
